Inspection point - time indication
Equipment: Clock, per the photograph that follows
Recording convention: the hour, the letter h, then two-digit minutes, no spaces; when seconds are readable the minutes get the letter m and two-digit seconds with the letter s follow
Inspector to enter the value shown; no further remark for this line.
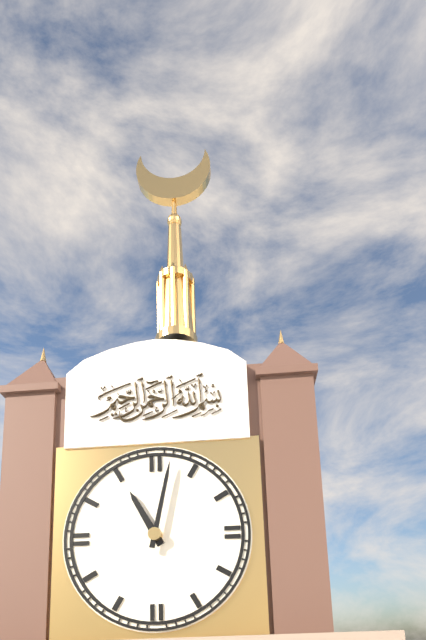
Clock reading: 11h02
